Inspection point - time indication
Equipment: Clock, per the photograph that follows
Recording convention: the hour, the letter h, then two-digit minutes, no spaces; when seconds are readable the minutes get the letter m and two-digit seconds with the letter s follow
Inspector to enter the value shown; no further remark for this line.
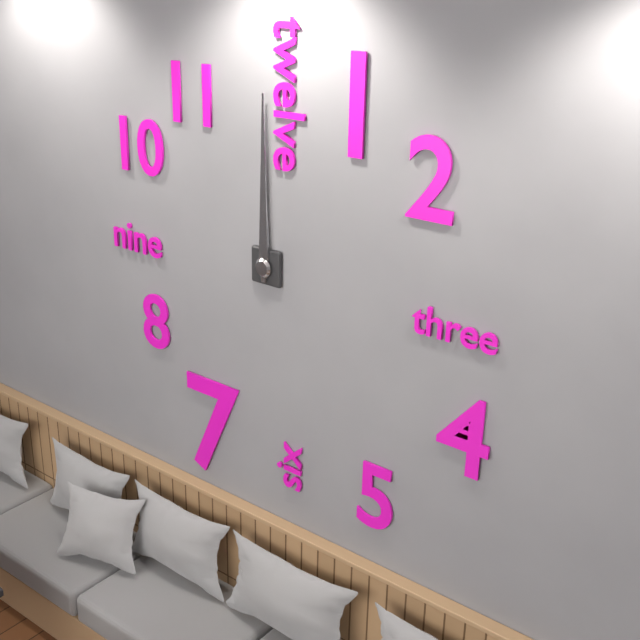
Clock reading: 12h00
